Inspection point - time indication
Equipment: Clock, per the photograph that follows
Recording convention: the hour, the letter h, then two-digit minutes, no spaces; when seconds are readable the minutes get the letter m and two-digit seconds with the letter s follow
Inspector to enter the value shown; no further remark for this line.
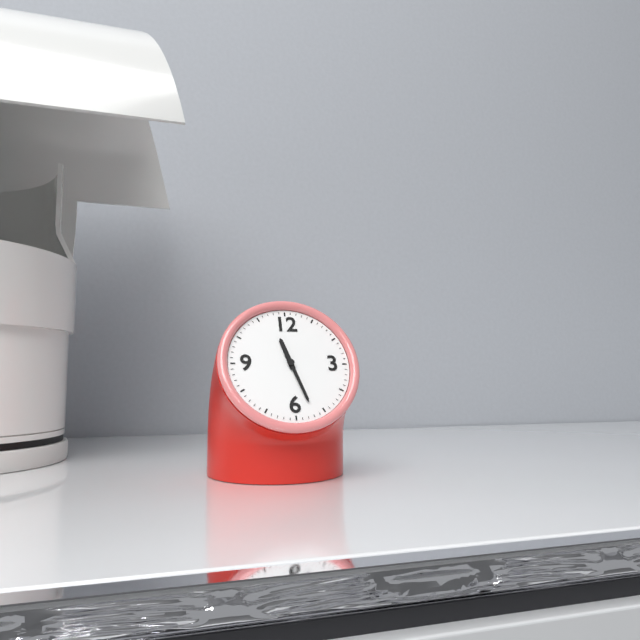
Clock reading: 11h27
